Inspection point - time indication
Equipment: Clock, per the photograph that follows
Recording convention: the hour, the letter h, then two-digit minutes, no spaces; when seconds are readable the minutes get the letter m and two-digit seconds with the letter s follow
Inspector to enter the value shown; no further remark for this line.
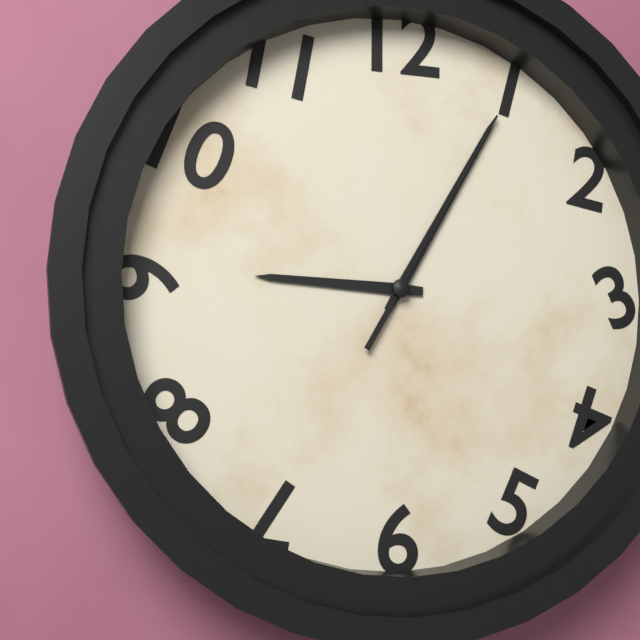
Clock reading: 9h05m05s
